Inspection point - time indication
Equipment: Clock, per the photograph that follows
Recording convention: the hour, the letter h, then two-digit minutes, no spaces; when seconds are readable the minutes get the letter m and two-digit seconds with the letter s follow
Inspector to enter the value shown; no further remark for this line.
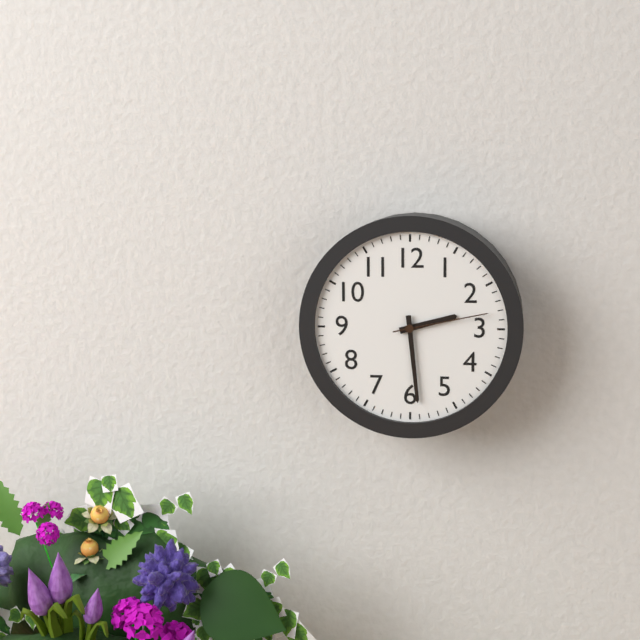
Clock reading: 2h29m13s
